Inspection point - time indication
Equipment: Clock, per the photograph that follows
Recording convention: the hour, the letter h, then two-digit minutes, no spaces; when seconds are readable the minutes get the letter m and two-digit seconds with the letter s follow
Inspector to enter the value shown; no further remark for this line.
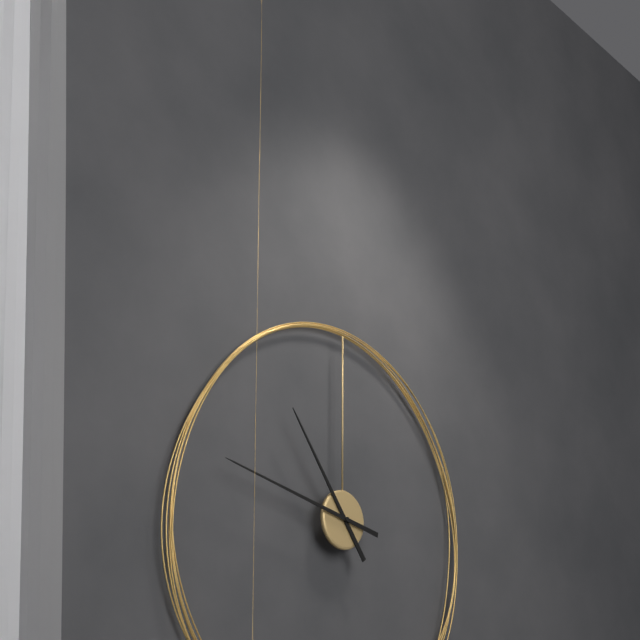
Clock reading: 10h47
